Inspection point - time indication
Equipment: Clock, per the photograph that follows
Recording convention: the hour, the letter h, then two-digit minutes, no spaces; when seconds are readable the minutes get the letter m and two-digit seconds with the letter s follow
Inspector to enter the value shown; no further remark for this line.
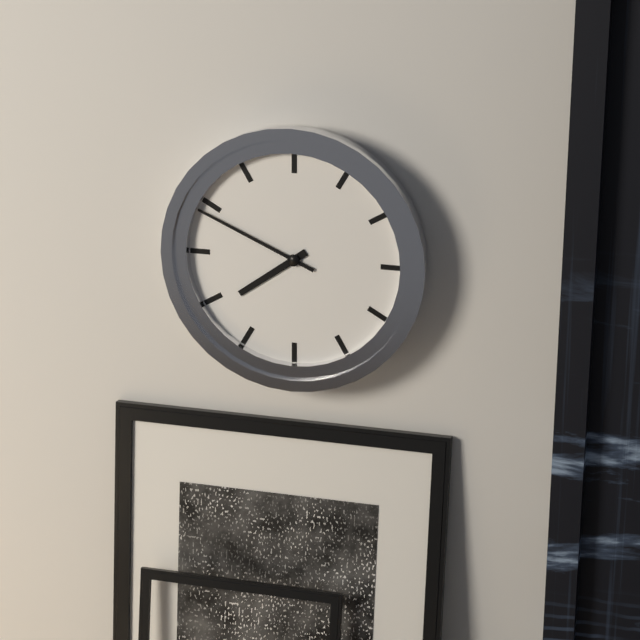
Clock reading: 7h49
